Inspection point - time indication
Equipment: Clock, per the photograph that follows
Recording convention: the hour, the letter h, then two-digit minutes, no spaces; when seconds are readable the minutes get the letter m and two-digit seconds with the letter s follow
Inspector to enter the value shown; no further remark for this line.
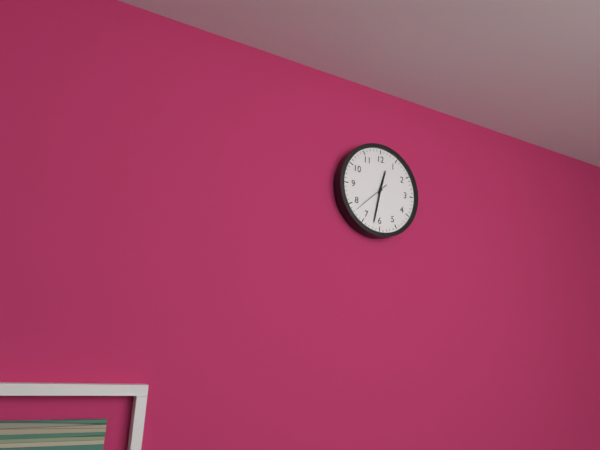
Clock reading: 12h32
